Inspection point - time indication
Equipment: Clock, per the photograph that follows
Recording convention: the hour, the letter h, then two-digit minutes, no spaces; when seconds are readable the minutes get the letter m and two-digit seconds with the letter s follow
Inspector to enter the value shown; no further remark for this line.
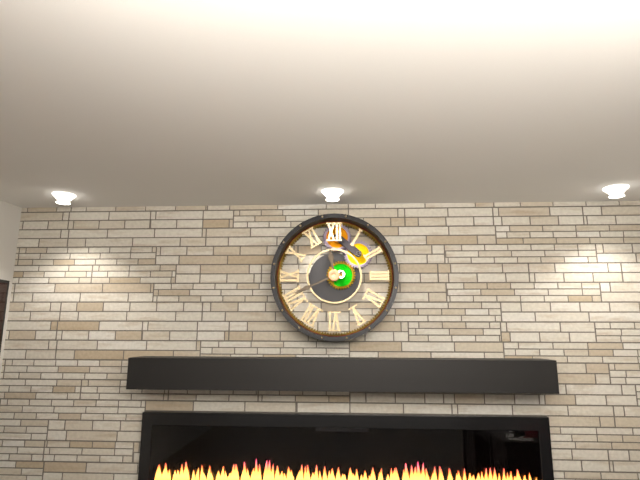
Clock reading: 11h41
